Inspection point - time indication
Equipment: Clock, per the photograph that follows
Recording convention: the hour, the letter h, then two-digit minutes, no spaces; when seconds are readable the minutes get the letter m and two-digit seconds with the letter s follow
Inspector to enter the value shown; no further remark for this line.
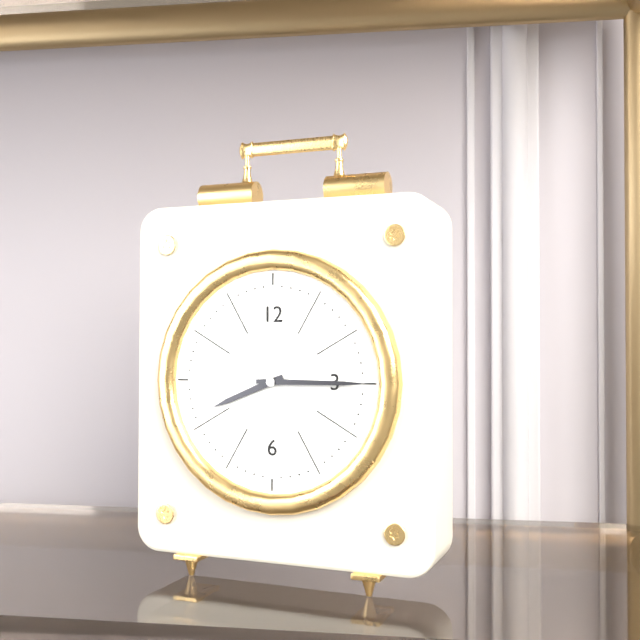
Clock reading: 8h15
